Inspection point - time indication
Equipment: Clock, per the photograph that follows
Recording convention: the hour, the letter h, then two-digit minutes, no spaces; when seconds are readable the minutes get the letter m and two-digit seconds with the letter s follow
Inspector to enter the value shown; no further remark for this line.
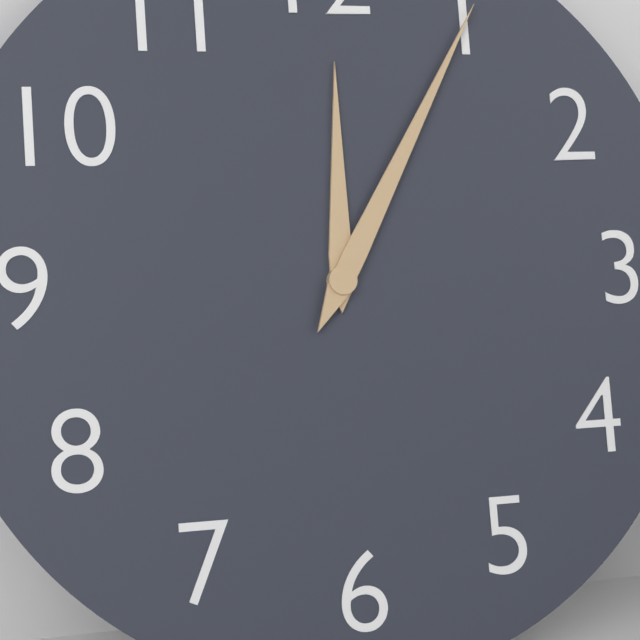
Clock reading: 12h05
